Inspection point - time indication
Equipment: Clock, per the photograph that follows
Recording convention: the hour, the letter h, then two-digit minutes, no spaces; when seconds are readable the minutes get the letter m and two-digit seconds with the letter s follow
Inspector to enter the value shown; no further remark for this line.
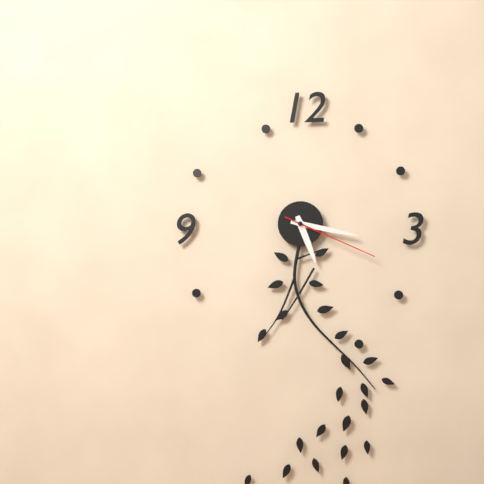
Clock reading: 5h17m19s
